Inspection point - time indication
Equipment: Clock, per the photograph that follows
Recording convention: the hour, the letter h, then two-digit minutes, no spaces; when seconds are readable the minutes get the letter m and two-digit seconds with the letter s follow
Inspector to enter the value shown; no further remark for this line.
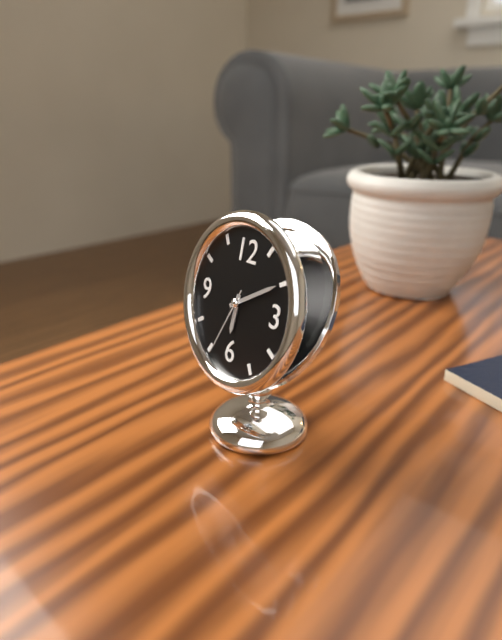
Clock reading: 6h10m34s
